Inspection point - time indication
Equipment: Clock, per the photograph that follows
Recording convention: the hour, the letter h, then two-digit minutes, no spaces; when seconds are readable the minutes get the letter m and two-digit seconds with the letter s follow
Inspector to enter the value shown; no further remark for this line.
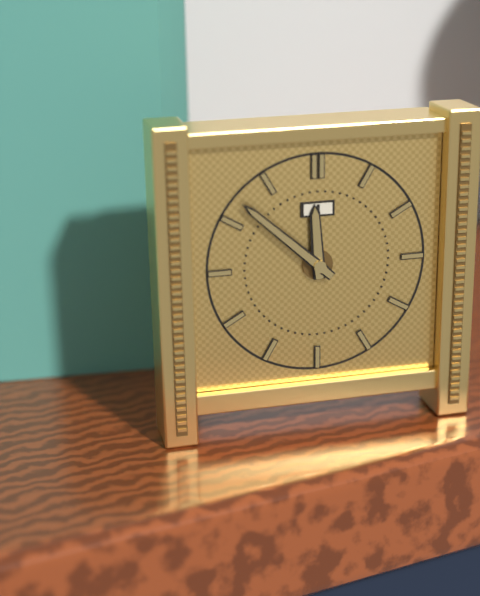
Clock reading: 11h52
